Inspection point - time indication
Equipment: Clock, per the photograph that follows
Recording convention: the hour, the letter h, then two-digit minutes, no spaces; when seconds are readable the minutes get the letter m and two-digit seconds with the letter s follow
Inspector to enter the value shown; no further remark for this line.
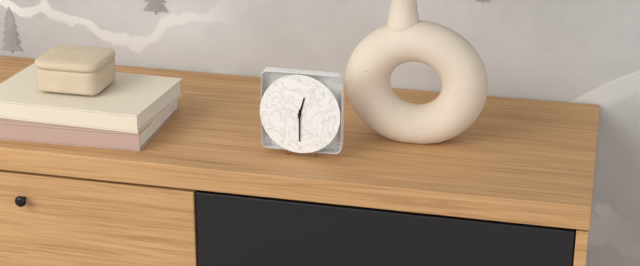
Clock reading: 12h30
